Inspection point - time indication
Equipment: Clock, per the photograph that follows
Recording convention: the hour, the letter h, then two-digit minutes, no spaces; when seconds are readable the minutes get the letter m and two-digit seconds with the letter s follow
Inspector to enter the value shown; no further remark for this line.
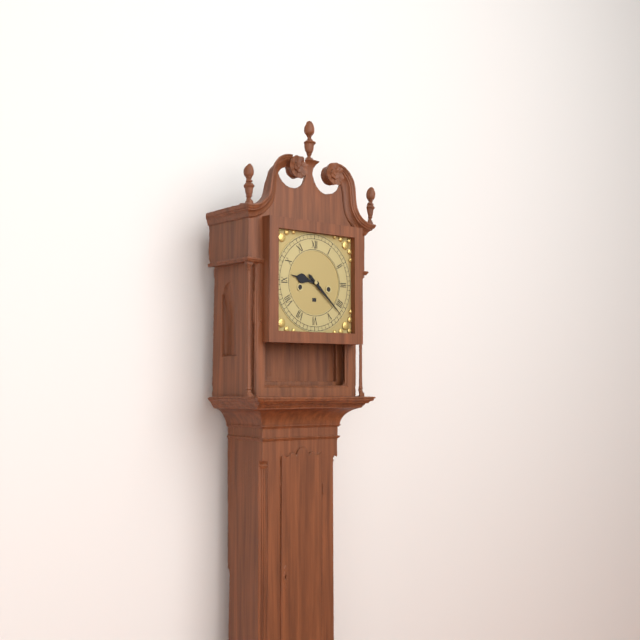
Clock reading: 9h22
